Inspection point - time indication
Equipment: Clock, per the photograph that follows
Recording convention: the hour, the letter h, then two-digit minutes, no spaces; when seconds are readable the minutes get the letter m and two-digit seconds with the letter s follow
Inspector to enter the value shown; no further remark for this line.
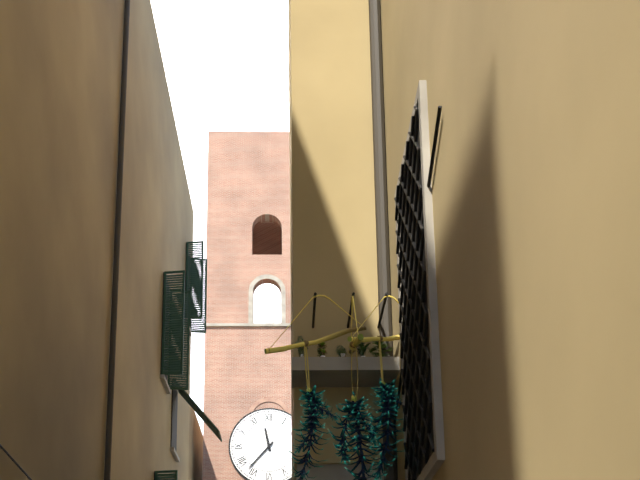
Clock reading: 11h37
